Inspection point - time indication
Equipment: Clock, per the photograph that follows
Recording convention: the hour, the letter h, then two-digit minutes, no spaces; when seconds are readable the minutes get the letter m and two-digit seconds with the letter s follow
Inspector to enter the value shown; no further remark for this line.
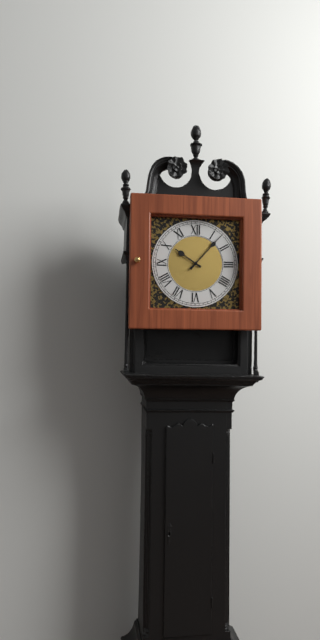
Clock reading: 10h07
